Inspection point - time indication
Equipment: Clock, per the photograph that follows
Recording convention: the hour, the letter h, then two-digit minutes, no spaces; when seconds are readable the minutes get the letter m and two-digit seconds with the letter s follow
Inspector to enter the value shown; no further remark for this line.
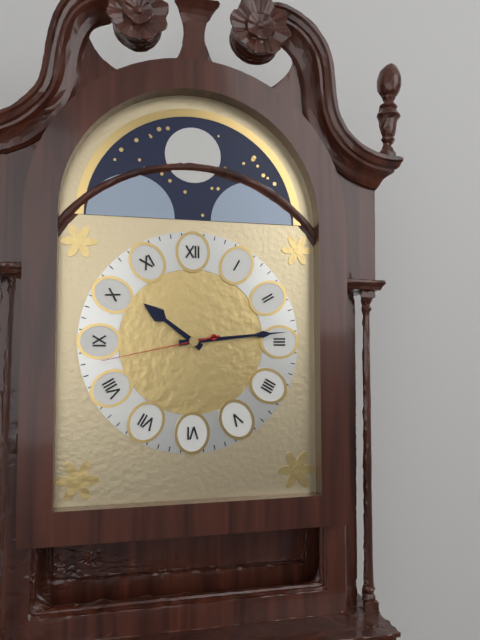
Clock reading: 10h14m43s
